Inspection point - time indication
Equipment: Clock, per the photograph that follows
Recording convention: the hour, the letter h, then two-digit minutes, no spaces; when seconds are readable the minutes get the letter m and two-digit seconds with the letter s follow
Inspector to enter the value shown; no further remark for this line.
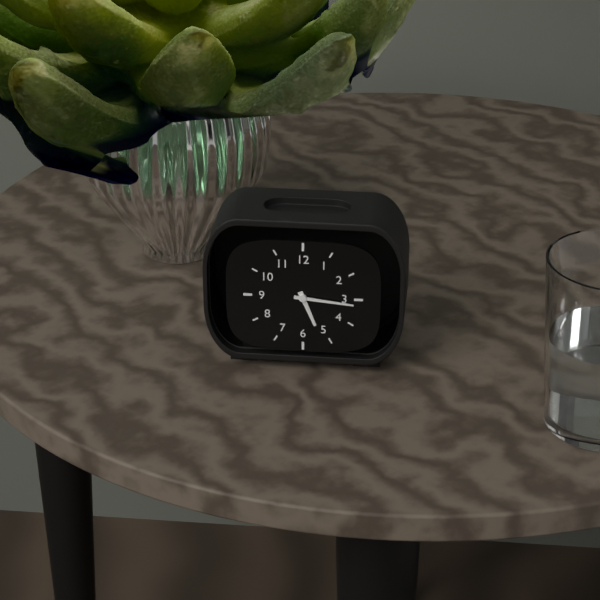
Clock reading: 5h16
